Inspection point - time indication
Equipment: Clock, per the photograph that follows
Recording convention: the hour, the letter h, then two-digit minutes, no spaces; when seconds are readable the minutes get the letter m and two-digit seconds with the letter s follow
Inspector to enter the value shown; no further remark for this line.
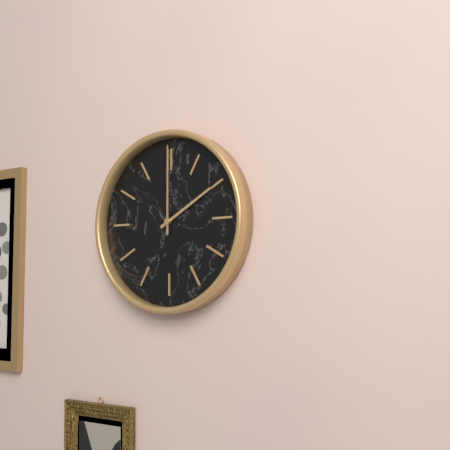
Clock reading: 2h00
